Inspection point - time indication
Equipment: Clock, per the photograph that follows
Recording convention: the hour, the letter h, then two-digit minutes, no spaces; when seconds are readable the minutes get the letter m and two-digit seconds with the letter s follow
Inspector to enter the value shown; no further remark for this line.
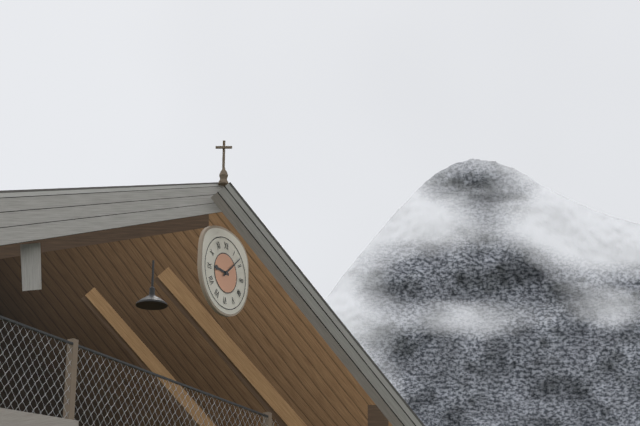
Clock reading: 9h08
